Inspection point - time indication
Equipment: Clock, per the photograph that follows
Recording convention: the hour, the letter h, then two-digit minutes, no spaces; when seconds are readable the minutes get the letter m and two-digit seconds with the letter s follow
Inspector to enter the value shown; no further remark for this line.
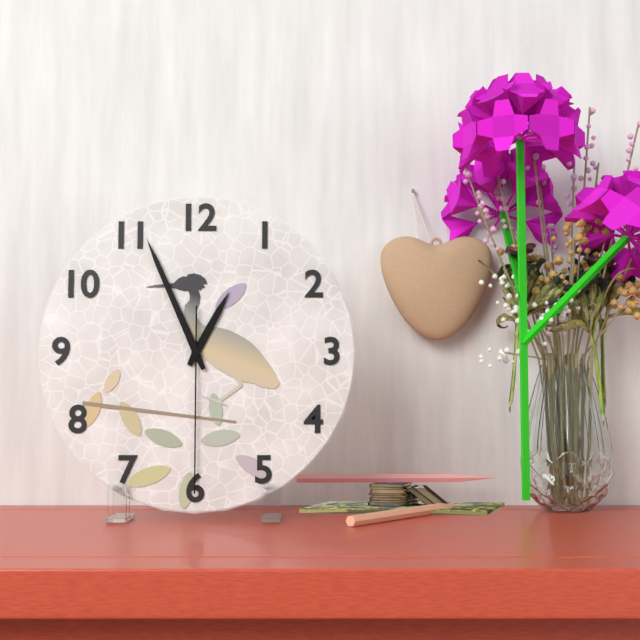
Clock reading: 12h56m30s
